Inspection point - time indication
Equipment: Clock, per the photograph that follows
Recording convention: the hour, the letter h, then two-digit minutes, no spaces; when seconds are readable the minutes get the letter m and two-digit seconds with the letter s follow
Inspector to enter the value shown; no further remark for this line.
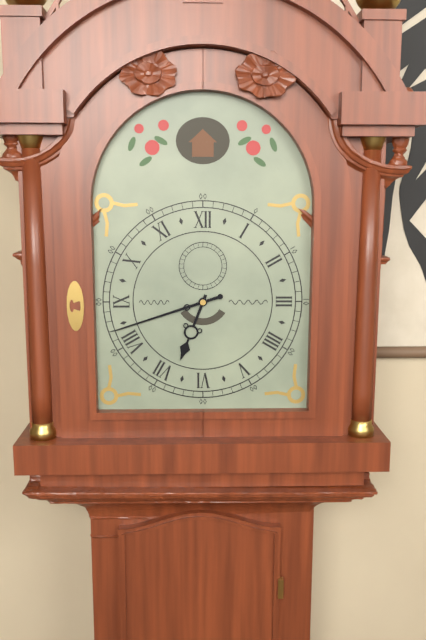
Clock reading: 6h42
